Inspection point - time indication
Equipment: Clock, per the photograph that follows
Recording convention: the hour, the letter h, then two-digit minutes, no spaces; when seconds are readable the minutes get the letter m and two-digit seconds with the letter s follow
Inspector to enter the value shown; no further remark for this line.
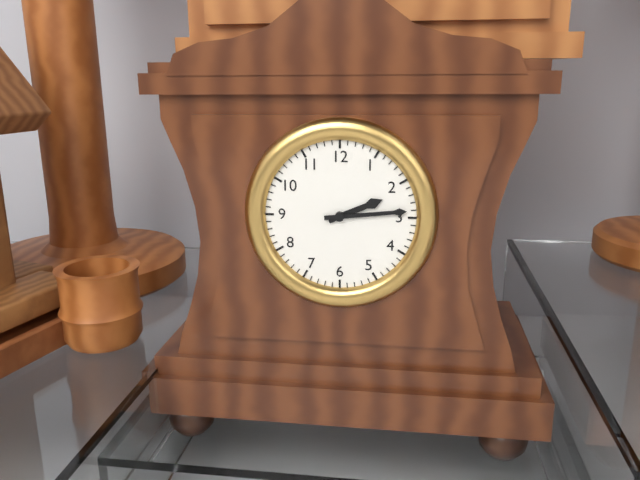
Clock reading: 2h14
